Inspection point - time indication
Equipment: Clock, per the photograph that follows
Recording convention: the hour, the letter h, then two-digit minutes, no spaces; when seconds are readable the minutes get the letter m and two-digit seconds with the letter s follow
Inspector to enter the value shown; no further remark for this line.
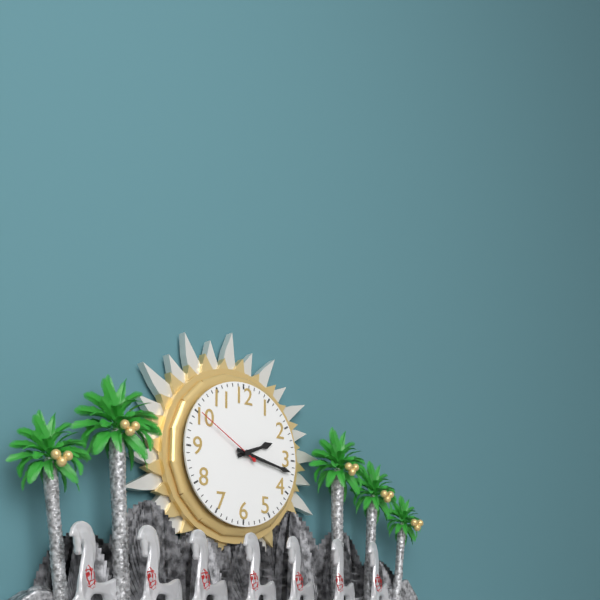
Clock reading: 2h17m50s
